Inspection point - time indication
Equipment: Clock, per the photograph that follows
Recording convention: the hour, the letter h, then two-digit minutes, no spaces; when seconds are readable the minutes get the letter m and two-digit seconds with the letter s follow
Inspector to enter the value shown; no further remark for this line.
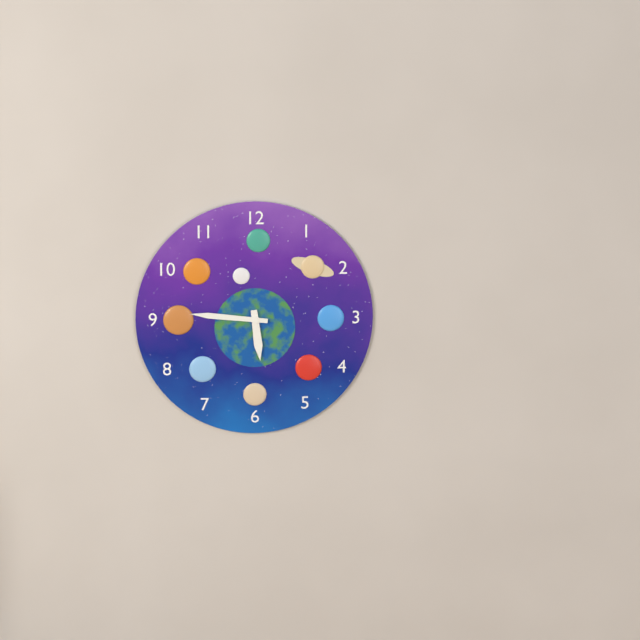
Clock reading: 5h46
